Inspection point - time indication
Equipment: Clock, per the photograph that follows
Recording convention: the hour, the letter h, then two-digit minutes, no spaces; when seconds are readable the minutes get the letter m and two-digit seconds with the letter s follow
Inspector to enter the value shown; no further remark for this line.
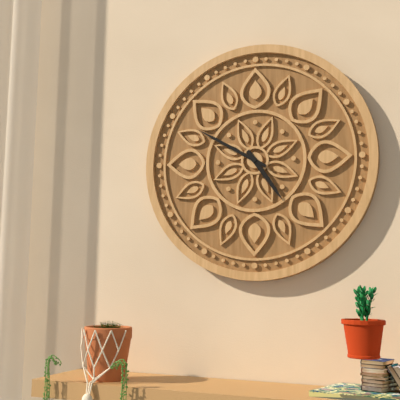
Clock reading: 4h50
